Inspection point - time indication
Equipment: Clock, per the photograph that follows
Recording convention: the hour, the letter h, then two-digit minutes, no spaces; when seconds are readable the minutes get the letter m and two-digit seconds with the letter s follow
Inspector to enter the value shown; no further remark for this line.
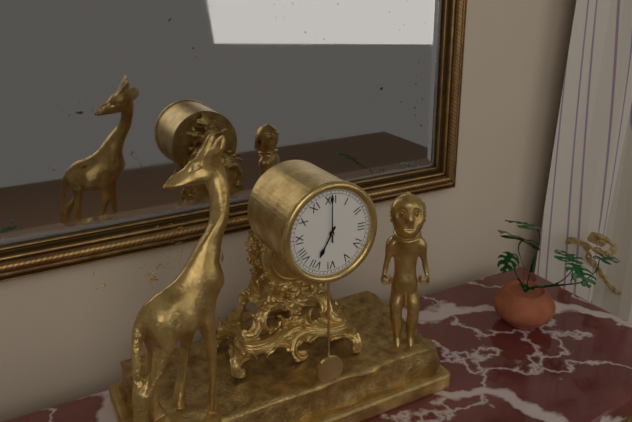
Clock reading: 7h00
